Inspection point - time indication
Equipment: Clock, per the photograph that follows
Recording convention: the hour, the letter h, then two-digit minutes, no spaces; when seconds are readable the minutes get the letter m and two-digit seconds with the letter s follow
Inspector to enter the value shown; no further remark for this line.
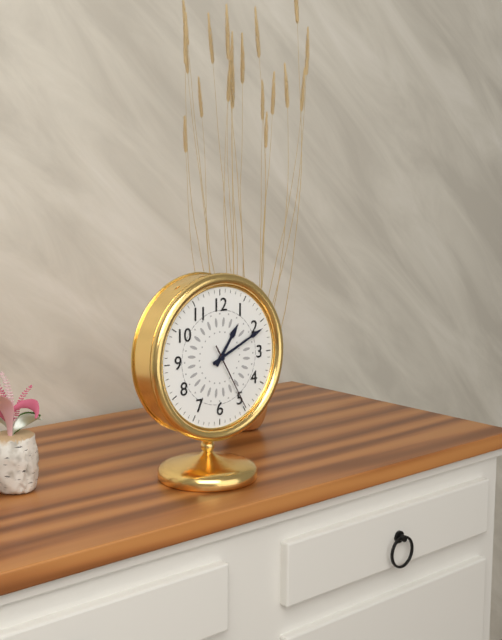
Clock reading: 1h11m25s
